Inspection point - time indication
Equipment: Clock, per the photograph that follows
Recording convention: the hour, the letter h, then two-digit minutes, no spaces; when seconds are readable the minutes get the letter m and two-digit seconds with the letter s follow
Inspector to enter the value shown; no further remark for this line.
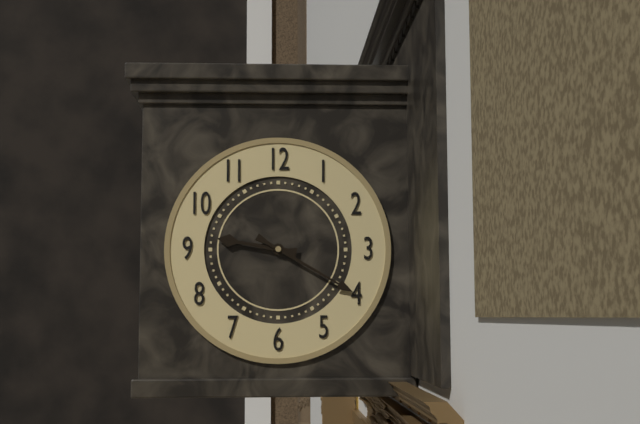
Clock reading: 9h20
